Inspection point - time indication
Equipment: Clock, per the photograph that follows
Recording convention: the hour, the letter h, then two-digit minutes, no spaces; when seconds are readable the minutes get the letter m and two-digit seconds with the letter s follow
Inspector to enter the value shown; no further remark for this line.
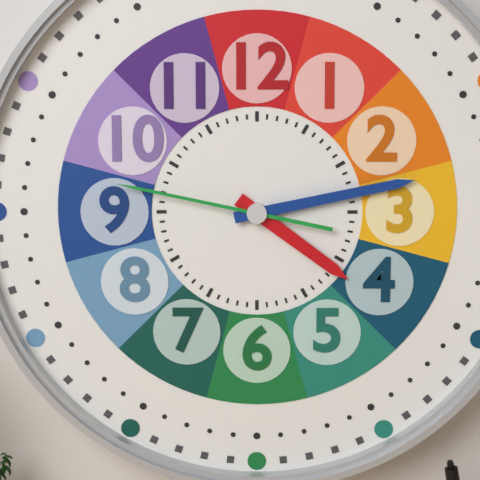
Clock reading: 4h13m47s
